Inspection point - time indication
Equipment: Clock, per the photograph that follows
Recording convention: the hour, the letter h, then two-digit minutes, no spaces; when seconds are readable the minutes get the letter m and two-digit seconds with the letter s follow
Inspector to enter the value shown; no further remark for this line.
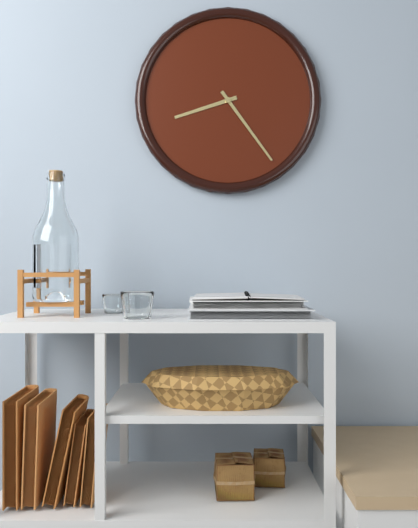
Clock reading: 8h24
